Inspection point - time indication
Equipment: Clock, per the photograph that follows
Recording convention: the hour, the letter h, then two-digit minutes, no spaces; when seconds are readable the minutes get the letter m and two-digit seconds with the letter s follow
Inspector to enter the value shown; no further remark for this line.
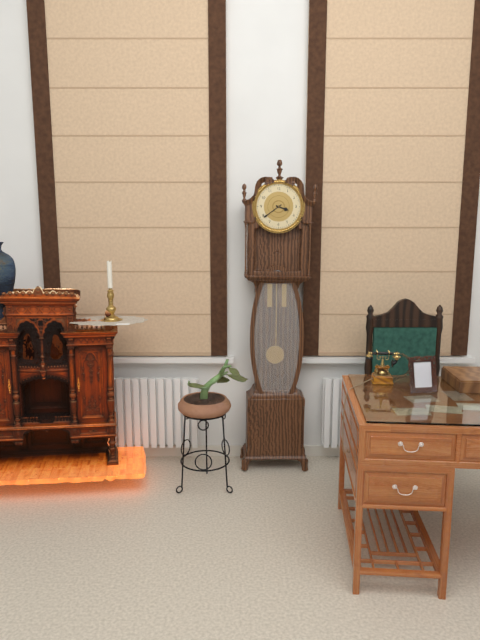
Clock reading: 3h39
